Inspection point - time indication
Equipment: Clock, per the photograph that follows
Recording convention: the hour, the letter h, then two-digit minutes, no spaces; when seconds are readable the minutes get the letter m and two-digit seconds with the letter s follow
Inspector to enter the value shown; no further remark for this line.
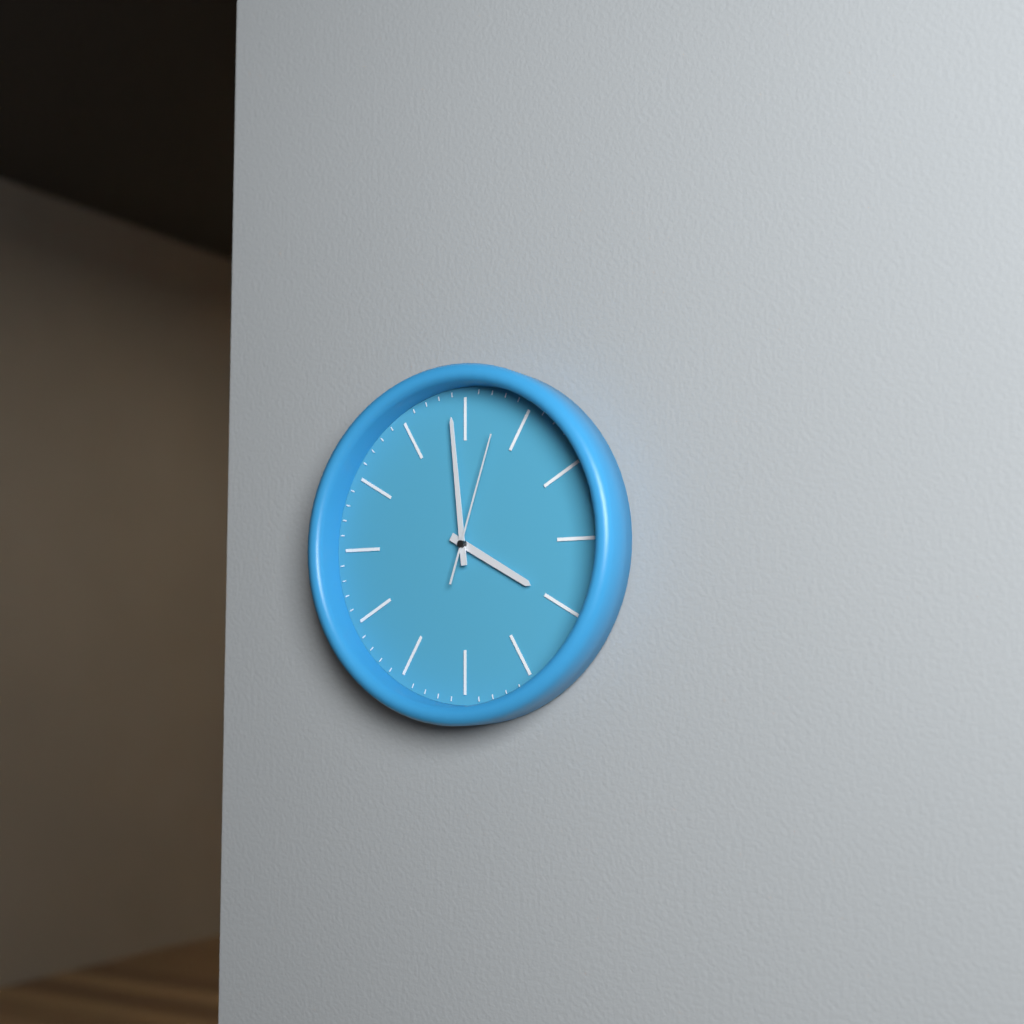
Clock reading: 3h59m03s
